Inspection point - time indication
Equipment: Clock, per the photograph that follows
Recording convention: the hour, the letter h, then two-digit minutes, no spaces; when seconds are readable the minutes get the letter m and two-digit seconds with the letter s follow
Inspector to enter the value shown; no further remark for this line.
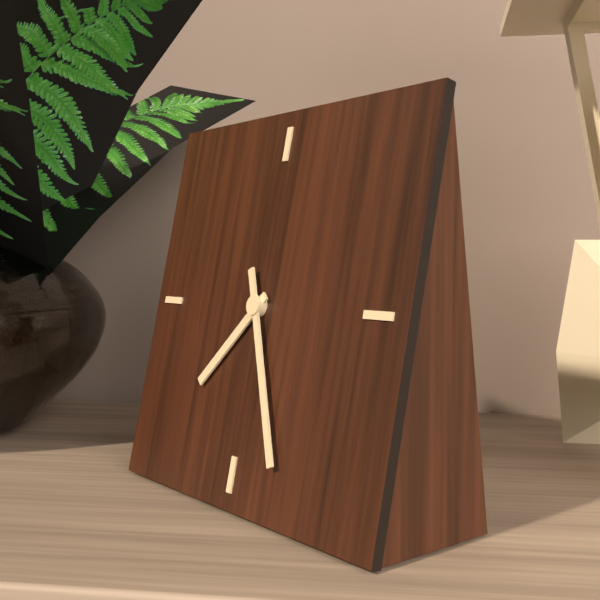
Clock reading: 7h26
